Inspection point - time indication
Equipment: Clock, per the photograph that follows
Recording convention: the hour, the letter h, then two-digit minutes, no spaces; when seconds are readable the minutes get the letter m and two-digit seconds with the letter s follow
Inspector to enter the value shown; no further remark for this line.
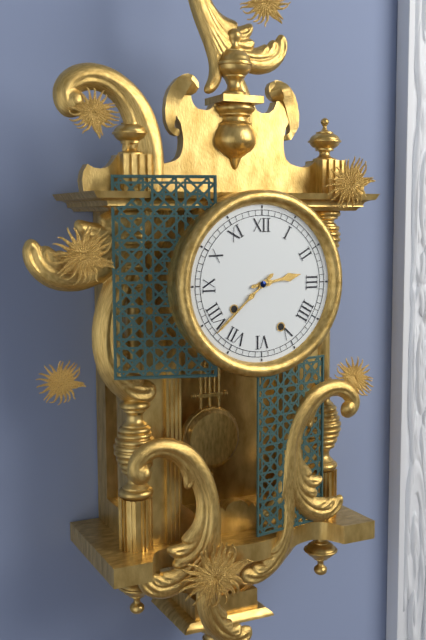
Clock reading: 2h38
